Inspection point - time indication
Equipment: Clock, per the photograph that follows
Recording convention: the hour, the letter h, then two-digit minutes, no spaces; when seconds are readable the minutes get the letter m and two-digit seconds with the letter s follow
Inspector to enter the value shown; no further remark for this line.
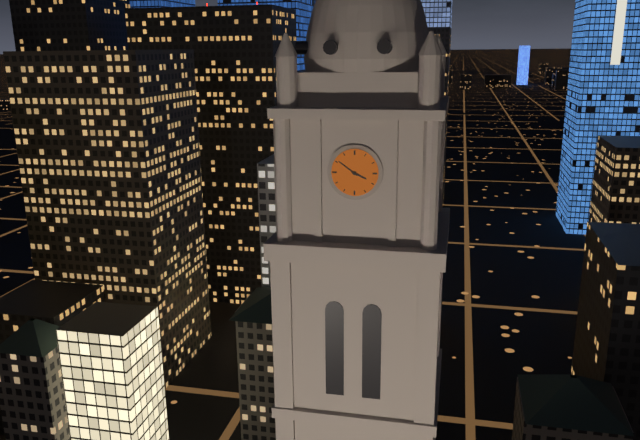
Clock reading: 3h51
